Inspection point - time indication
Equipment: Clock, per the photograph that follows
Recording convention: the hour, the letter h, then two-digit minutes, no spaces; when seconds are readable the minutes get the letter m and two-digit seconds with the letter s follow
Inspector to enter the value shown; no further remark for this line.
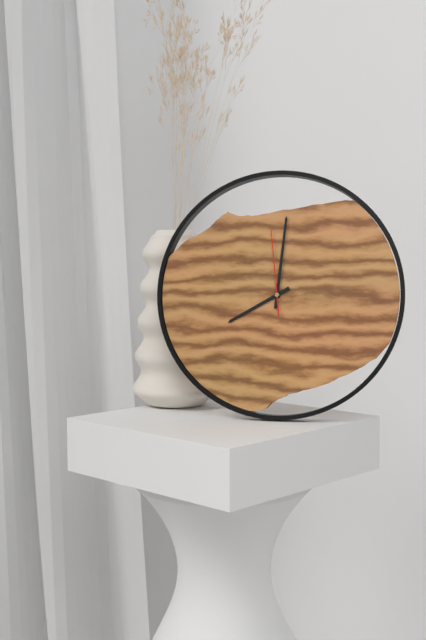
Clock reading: 8h01m59s
